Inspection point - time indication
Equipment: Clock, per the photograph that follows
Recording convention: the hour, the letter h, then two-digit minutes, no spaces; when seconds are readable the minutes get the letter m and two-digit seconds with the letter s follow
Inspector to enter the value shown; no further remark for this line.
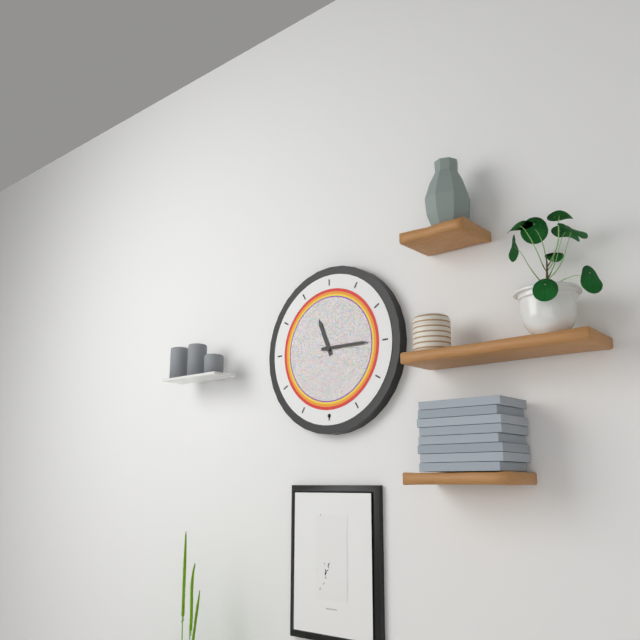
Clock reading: 11h15
